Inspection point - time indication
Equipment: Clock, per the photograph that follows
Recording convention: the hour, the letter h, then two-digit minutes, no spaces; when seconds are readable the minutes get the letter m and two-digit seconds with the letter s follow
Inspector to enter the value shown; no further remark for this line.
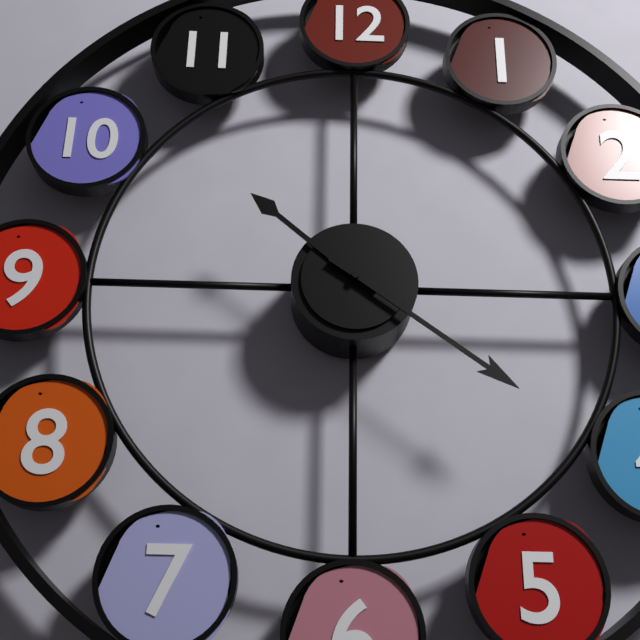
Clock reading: 10h21
